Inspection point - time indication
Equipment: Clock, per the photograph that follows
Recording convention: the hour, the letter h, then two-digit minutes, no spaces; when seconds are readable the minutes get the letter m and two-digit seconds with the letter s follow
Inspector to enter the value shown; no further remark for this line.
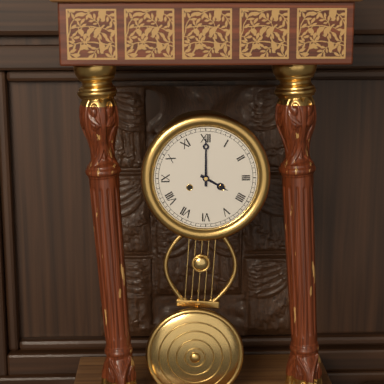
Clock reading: 4h00
